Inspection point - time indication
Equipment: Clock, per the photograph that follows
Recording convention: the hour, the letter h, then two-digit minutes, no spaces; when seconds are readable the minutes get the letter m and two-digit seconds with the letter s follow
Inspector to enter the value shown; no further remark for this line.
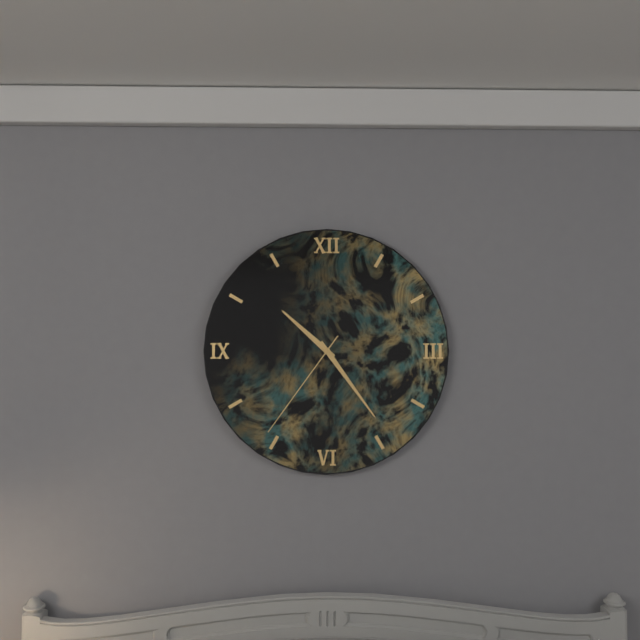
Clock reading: 10h24m36s
